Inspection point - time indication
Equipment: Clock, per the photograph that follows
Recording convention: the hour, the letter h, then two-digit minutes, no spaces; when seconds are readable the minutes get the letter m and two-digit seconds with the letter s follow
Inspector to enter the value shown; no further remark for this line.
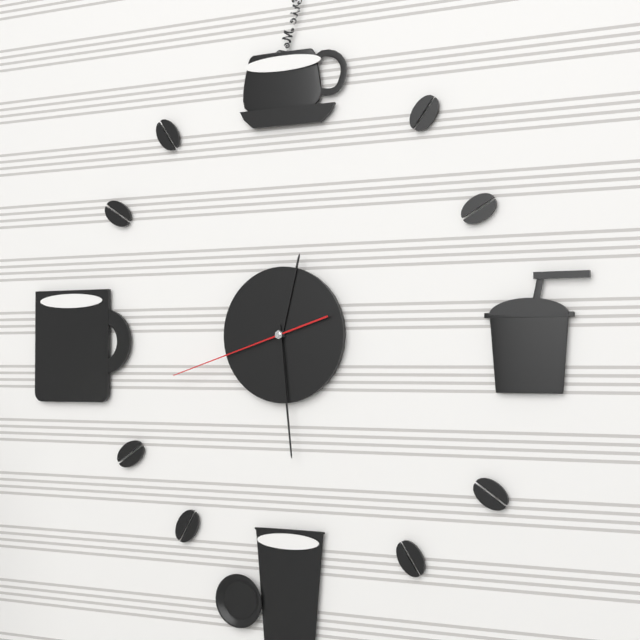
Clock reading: 12h29m42s
